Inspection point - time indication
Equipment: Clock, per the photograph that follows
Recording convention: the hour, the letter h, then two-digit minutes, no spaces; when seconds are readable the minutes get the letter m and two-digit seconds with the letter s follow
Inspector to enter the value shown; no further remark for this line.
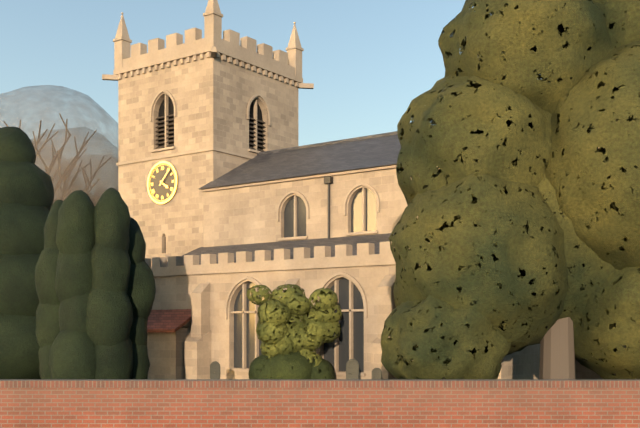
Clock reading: 4h07
